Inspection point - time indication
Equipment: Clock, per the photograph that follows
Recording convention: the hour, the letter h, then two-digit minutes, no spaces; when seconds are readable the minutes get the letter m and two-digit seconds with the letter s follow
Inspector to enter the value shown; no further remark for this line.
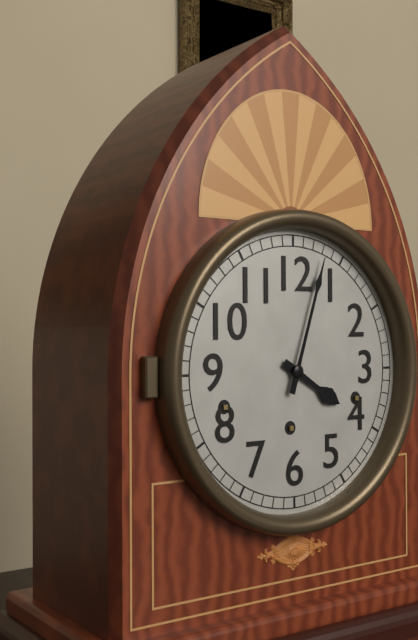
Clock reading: 4h03
